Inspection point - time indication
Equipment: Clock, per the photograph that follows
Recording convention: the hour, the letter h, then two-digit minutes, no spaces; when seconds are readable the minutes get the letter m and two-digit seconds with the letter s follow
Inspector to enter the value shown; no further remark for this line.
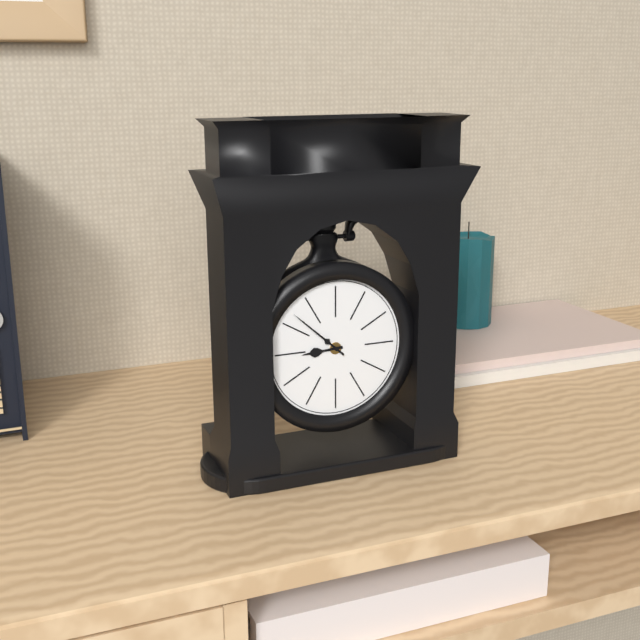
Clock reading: 8h52
